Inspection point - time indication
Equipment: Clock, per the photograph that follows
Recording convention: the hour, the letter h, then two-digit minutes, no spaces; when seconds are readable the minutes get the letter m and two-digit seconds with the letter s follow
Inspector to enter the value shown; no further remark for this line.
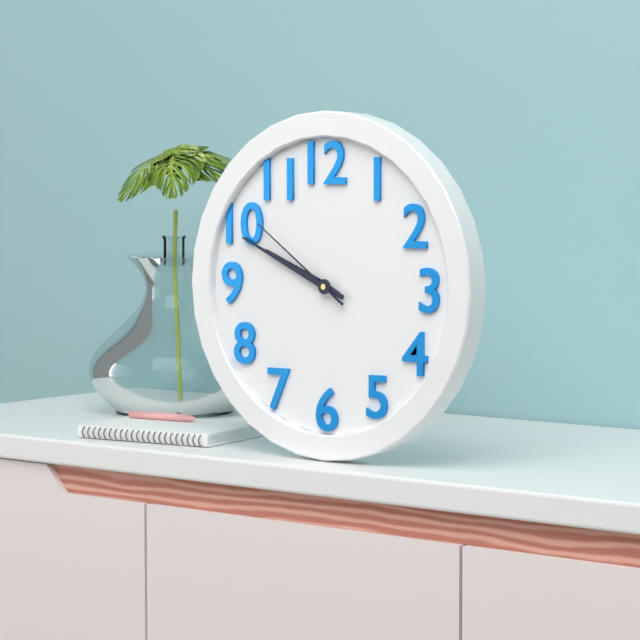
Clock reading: 9h49m51s
